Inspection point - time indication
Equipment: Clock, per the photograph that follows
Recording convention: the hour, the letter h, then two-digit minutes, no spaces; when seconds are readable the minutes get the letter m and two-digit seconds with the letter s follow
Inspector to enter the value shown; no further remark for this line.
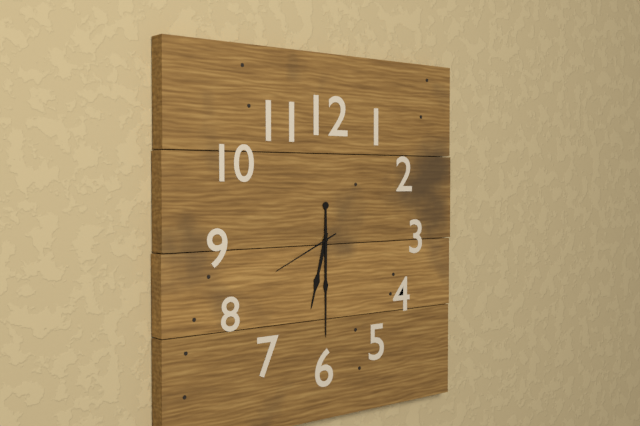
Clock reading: 6h30m41s
